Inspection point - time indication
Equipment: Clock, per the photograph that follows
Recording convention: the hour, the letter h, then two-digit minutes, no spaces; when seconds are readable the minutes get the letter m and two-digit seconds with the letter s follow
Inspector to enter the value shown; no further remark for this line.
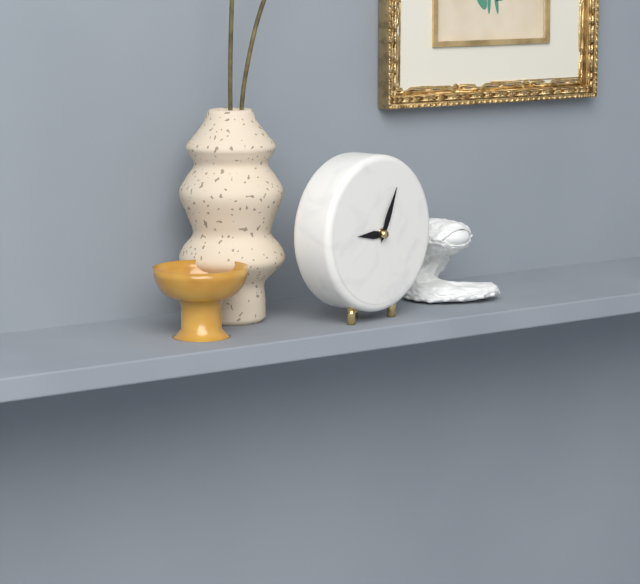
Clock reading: 9h04
